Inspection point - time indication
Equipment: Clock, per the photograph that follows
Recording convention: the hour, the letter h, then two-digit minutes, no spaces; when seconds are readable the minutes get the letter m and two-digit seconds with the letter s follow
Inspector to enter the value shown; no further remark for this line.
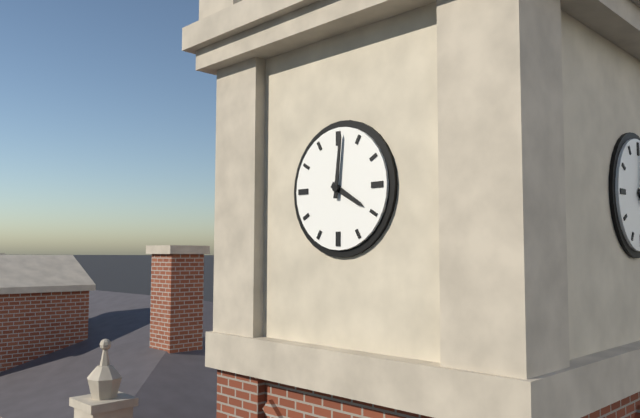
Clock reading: 4h01
